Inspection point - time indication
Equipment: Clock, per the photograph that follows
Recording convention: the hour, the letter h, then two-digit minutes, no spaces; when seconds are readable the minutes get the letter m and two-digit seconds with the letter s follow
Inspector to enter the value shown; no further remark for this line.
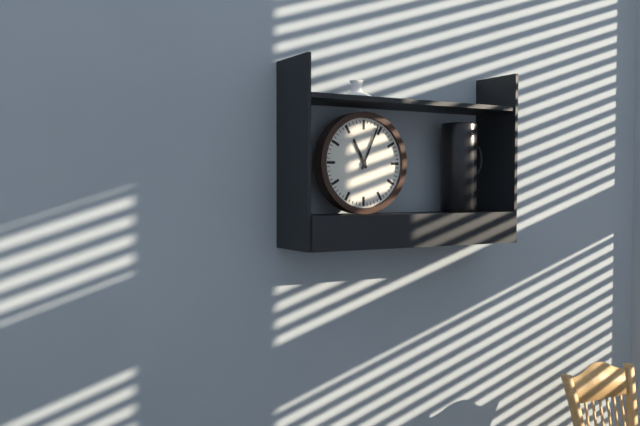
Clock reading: 11h04
